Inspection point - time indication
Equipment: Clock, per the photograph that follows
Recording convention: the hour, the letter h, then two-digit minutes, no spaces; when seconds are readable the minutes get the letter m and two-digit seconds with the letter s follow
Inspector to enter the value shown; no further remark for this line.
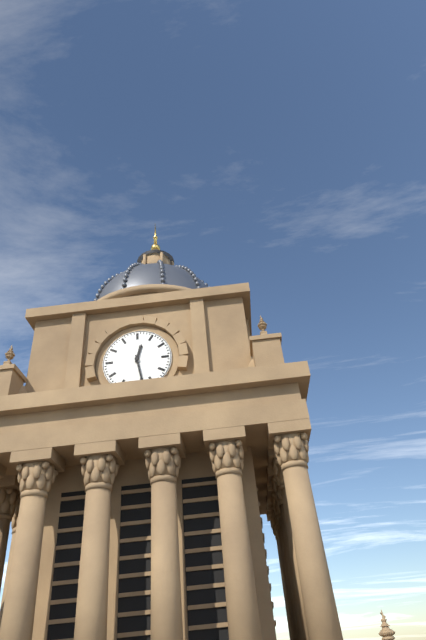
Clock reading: 12h28
